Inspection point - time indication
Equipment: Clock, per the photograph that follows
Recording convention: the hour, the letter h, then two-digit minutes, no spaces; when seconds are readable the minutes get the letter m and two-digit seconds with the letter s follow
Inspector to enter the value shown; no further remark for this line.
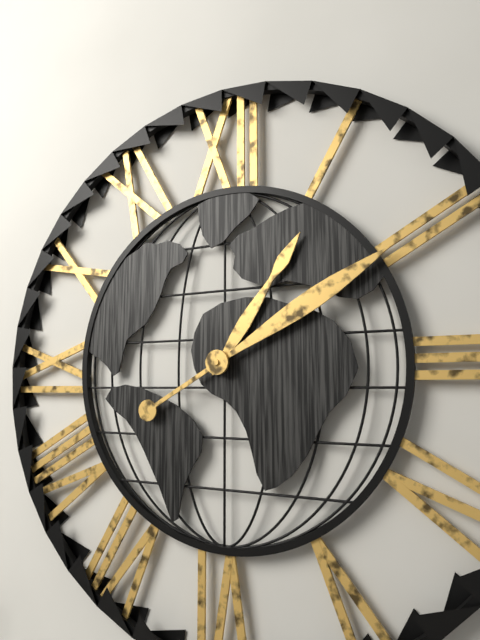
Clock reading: 1h10
